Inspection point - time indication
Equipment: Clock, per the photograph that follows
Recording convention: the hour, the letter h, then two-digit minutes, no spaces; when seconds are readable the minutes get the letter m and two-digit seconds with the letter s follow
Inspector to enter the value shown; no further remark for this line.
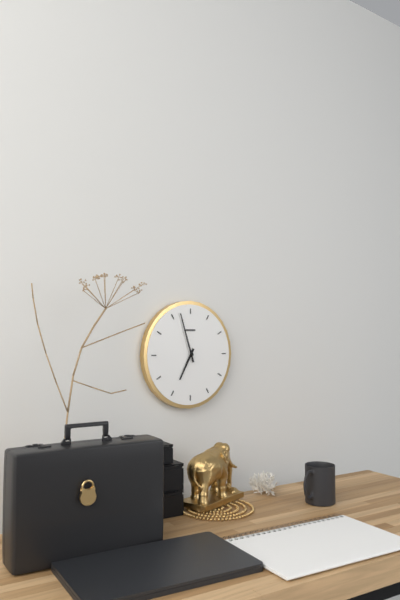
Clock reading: 6h57
